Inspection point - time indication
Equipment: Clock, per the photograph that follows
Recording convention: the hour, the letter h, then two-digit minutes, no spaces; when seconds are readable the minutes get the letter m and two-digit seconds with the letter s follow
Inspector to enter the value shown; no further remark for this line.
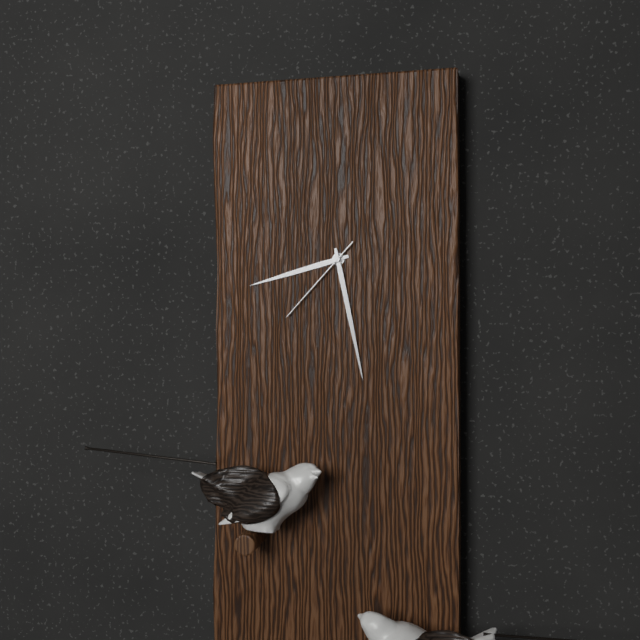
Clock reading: 8h28m37s
